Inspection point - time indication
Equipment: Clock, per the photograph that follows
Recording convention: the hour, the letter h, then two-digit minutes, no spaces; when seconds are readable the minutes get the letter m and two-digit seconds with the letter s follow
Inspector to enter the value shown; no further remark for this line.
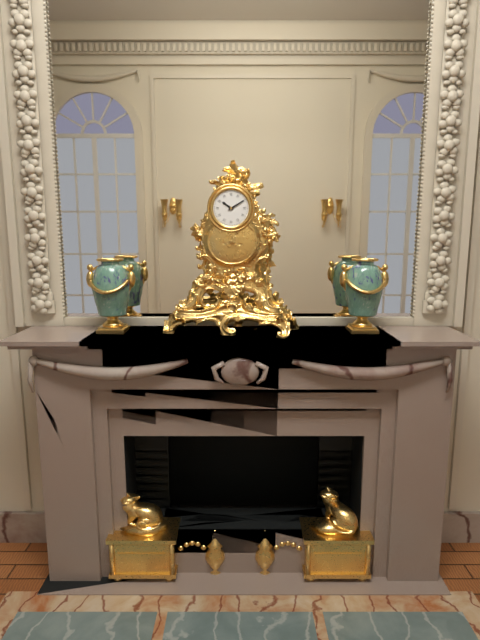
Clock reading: 10h10
